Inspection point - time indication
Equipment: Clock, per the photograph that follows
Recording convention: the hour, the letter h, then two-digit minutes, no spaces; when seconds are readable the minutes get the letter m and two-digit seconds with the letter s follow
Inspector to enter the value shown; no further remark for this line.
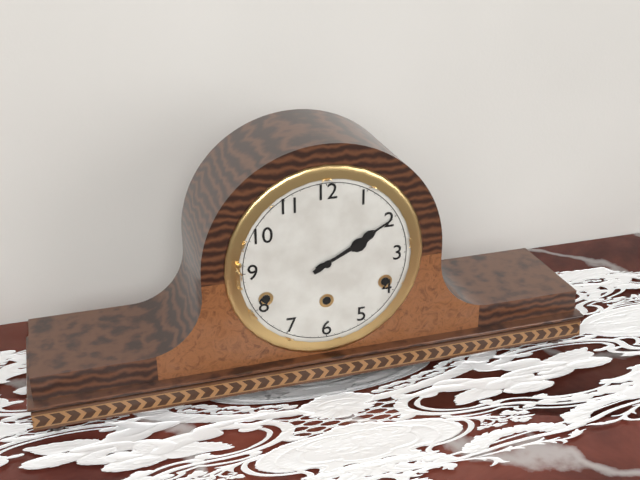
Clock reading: 2h10
